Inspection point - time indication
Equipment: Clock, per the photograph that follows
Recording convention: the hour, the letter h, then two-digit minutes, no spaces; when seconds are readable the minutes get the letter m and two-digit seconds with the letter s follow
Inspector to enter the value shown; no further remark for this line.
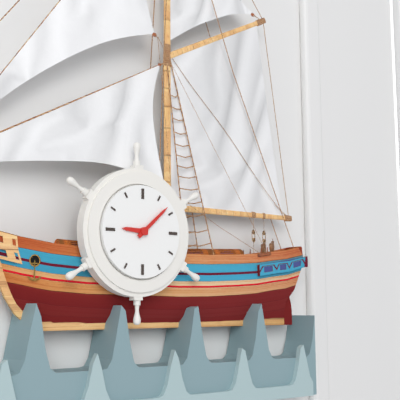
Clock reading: 9h08
